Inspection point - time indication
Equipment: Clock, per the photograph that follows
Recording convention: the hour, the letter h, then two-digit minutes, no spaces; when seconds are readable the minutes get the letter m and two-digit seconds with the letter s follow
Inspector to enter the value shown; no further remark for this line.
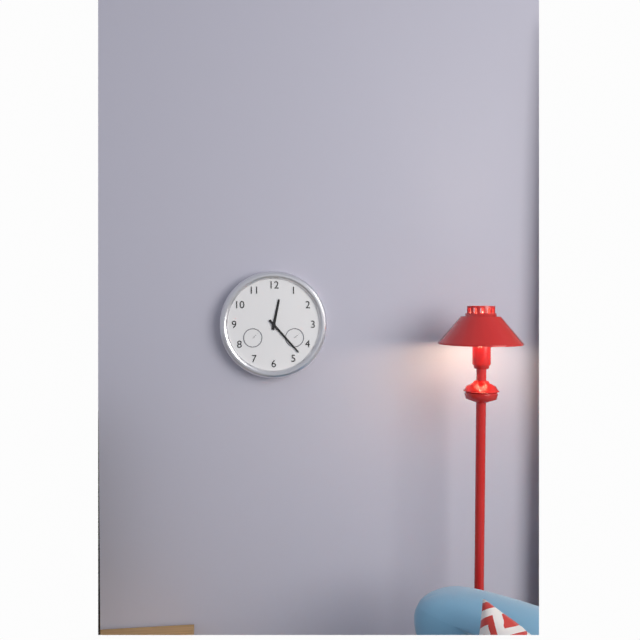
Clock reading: 12h23
